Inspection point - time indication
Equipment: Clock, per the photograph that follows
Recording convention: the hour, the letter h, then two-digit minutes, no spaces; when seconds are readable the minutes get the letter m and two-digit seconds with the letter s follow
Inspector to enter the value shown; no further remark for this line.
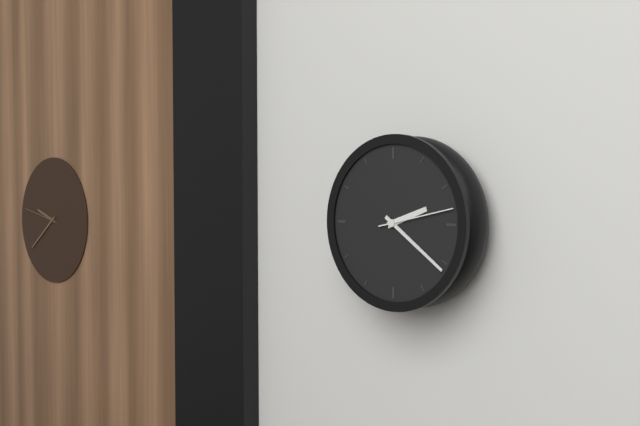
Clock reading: 2h21m13s
